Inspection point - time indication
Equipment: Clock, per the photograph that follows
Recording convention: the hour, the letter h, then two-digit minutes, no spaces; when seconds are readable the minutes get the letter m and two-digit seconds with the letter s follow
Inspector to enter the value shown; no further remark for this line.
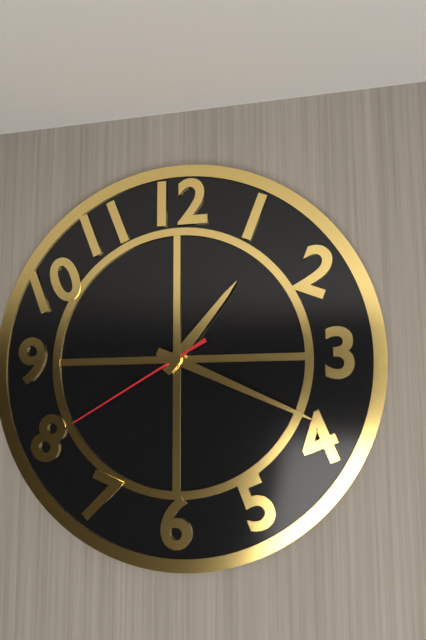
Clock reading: 1h19m40s
